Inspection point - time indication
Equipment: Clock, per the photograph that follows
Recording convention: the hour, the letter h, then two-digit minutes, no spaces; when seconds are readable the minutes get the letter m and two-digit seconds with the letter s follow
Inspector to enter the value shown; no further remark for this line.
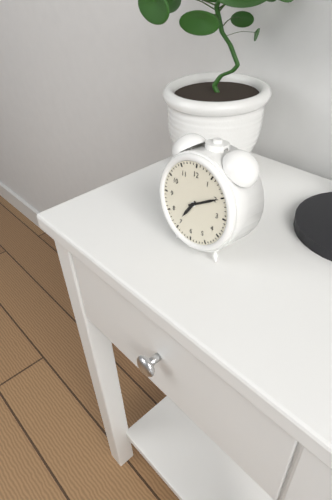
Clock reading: 7h10
